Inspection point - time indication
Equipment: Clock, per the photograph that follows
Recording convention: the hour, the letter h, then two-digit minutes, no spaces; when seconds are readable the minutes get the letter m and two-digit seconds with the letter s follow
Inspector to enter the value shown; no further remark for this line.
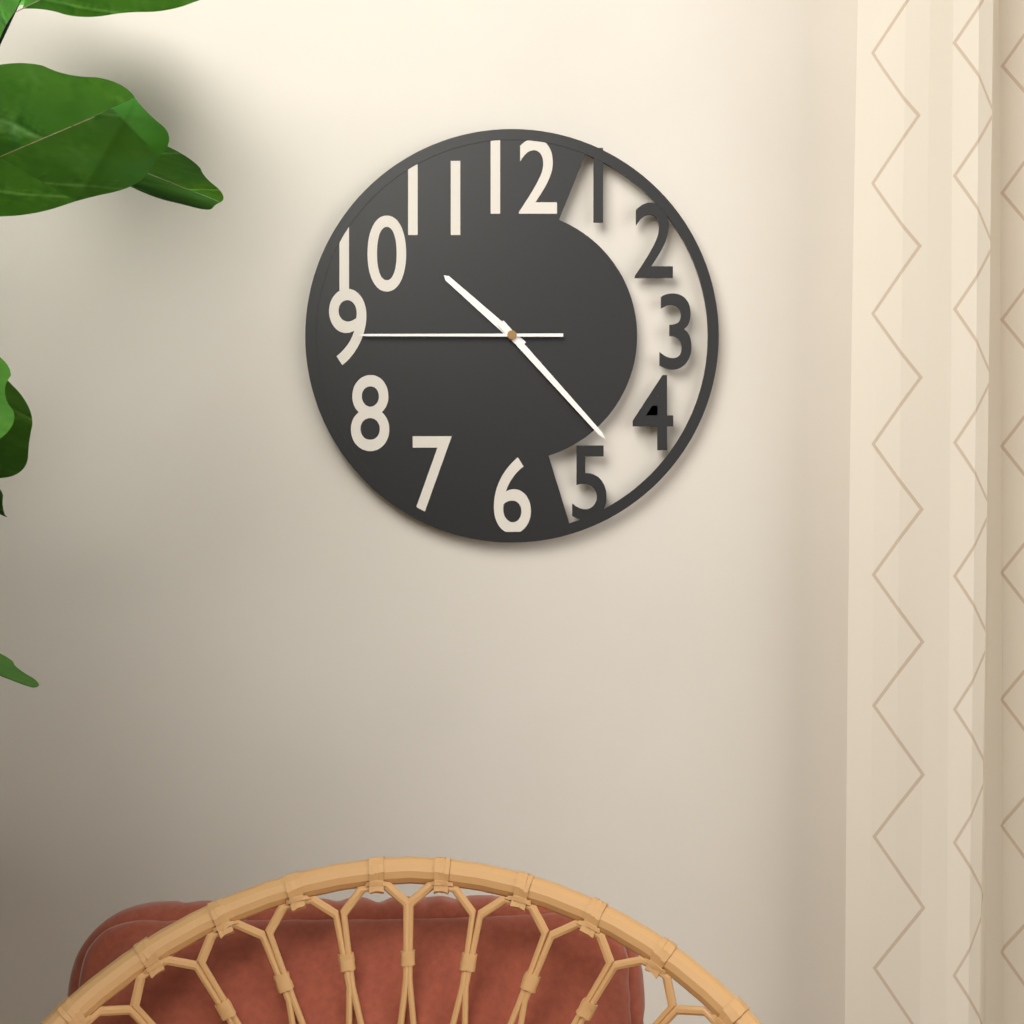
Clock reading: 10h23m45s
